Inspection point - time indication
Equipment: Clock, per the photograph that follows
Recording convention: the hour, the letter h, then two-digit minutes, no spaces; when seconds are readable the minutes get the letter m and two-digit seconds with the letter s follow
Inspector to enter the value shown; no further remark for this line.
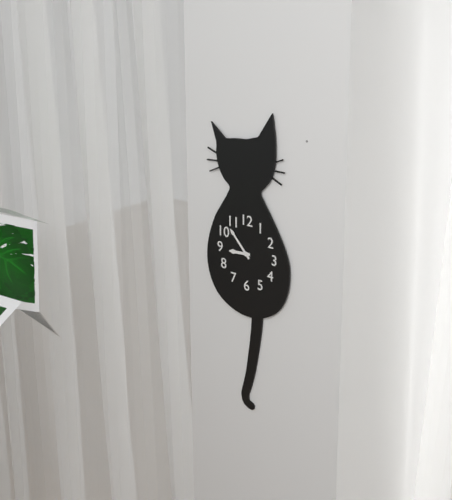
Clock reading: 8h53
